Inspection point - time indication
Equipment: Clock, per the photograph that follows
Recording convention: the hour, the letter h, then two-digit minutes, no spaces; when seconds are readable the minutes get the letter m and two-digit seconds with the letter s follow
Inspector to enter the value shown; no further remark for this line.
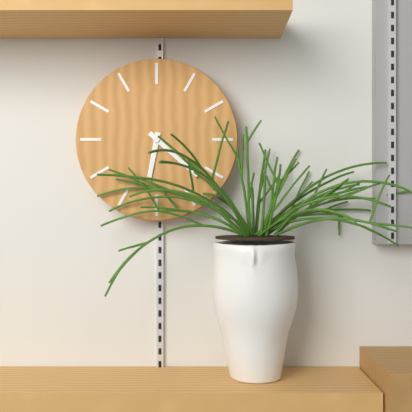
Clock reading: 6h22
